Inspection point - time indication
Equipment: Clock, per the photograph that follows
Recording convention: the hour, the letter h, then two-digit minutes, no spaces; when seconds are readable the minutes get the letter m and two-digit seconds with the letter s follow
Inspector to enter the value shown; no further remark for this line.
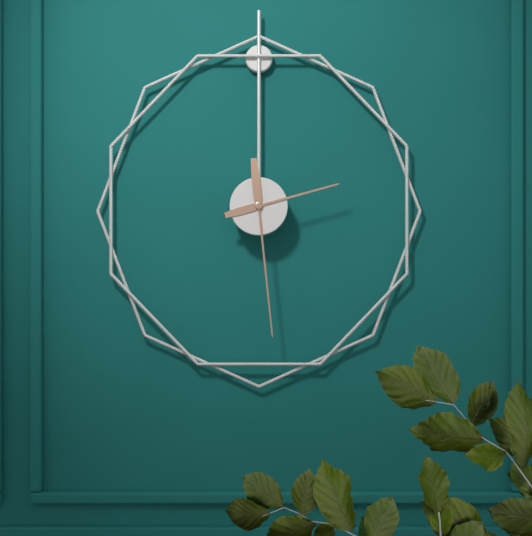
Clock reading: 2h29
